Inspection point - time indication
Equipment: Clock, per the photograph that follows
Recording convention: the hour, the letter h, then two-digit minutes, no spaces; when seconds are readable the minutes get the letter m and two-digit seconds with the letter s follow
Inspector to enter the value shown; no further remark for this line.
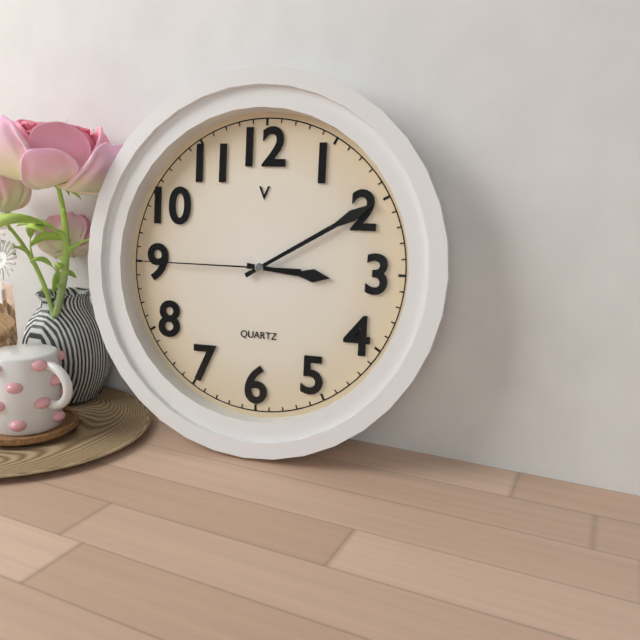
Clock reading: 3h10m45s
